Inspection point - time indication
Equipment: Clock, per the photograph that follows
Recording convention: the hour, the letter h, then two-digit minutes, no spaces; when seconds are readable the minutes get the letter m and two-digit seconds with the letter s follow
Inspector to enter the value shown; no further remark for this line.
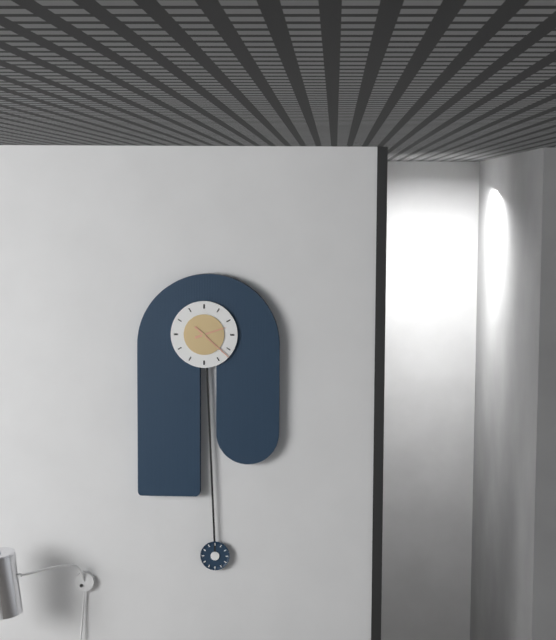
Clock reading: 2h22
